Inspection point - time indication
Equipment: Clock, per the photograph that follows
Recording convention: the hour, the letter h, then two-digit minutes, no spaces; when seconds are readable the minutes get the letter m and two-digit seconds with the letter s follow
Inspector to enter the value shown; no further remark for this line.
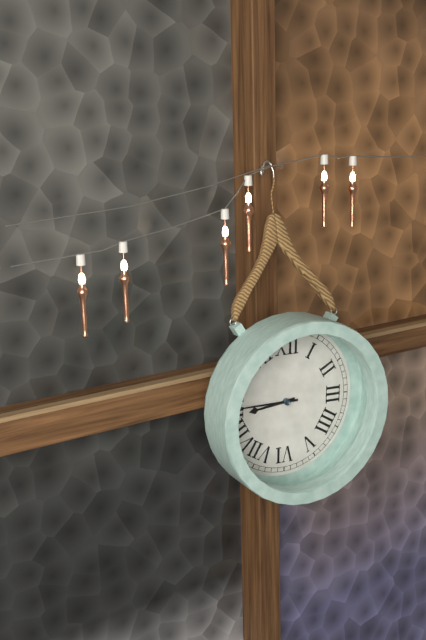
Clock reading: 8h45
